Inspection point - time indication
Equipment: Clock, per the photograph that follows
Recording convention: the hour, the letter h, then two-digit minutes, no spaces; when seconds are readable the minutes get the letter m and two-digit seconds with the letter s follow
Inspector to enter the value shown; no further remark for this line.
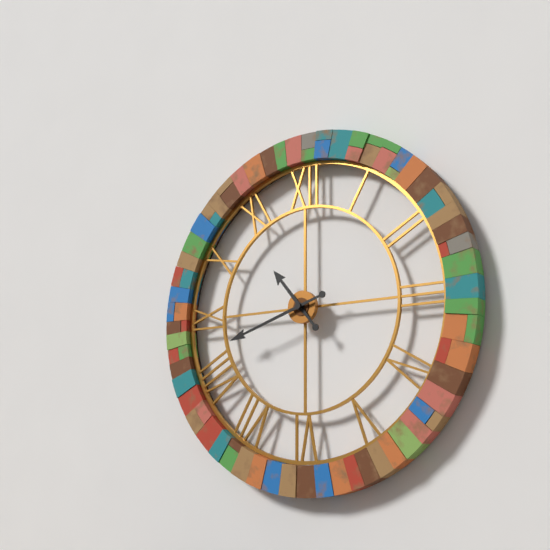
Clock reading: 10h42
